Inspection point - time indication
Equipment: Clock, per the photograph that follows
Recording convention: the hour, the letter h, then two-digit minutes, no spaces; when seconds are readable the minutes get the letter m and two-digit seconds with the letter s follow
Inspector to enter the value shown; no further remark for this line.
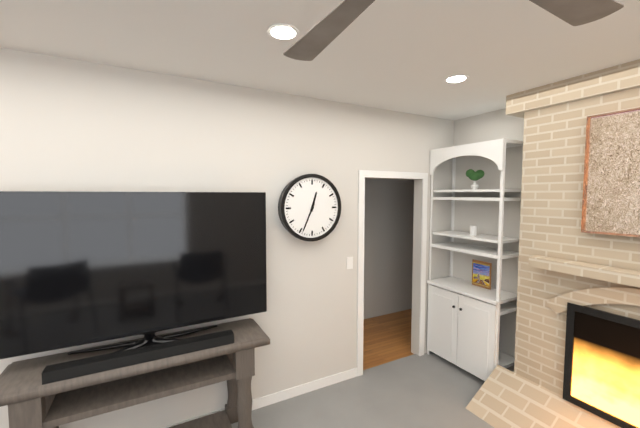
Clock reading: 12h34
